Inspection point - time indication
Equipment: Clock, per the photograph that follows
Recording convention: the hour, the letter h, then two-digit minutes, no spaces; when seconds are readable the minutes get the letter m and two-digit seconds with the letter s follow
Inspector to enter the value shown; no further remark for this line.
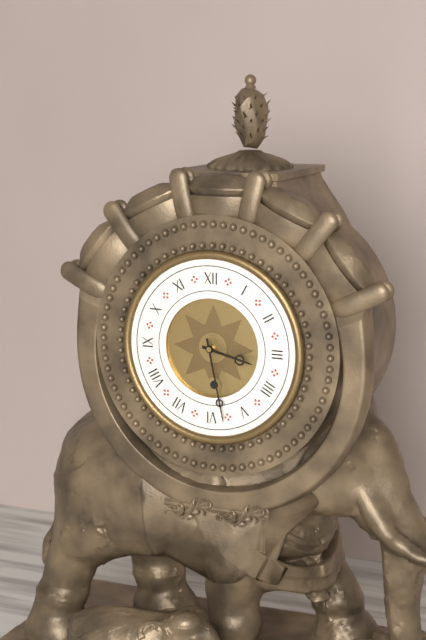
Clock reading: 3h28
